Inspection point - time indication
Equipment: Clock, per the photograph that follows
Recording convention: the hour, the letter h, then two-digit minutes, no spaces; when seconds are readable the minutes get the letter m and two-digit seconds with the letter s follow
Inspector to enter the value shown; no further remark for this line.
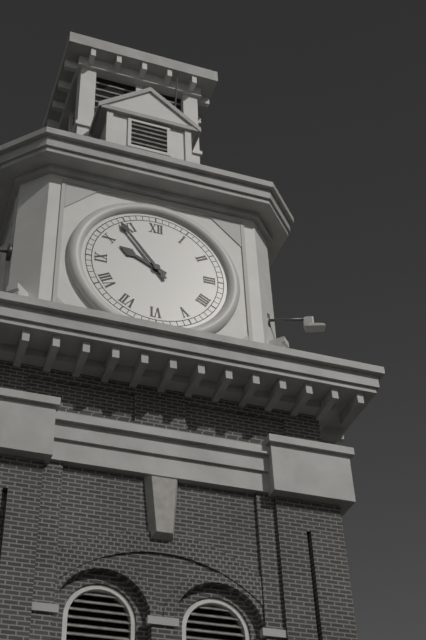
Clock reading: 9h54
